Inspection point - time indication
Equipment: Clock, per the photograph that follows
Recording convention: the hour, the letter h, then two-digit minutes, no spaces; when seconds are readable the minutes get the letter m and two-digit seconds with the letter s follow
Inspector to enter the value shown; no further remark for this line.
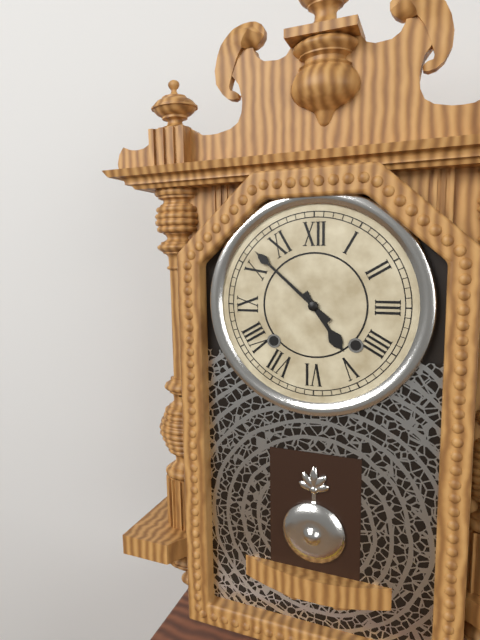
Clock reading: 4h52
